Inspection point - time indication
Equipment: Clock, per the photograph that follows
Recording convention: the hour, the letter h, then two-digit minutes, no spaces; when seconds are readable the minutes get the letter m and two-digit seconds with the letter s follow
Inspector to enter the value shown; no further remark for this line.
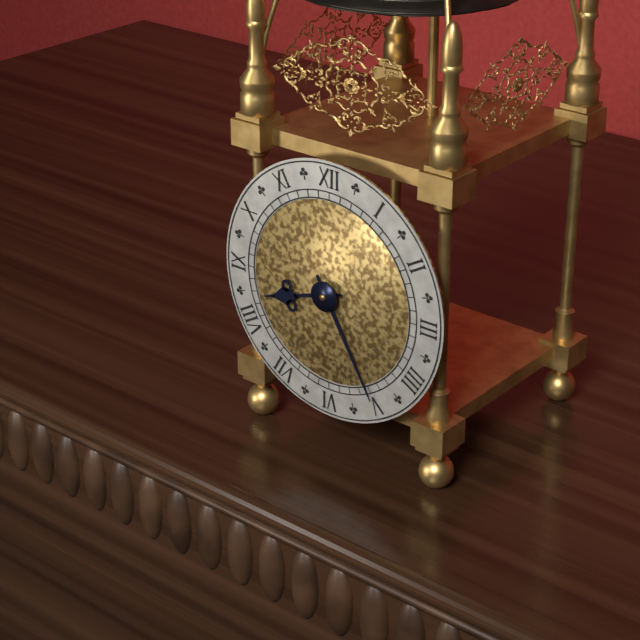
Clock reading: 8h25
